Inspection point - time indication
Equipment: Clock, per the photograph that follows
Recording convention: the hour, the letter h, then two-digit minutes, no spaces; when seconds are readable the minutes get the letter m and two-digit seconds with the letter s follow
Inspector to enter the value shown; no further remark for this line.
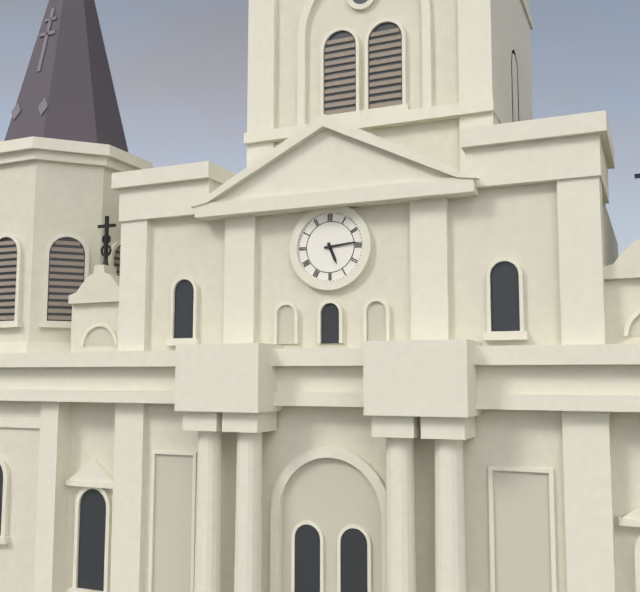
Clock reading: 5h14
